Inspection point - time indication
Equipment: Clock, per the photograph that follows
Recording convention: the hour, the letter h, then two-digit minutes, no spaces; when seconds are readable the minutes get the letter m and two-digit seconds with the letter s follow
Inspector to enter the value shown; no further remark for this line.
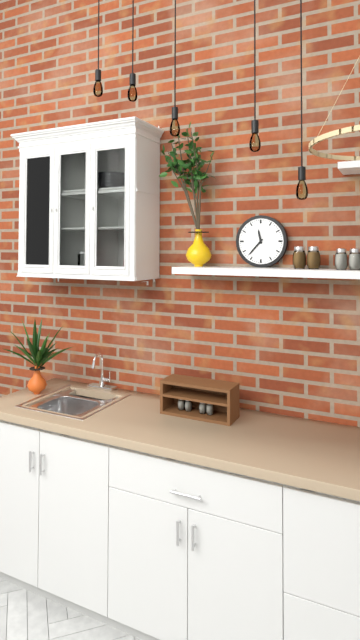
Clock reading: 11h37
